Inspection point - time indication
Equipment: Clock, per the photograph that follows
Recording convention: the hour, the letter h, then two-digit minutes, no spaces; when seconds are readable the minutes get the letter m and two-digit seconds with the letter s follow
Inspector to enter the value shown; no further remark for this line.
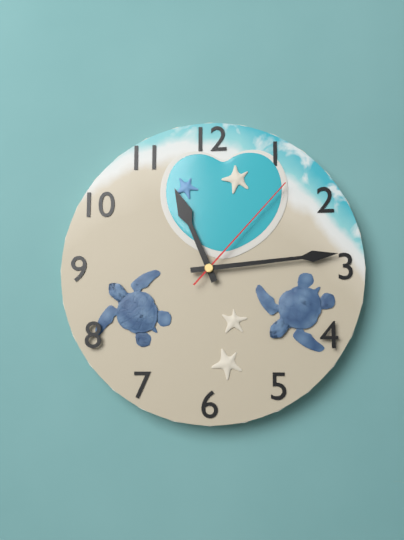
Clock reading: 11h14m07s
